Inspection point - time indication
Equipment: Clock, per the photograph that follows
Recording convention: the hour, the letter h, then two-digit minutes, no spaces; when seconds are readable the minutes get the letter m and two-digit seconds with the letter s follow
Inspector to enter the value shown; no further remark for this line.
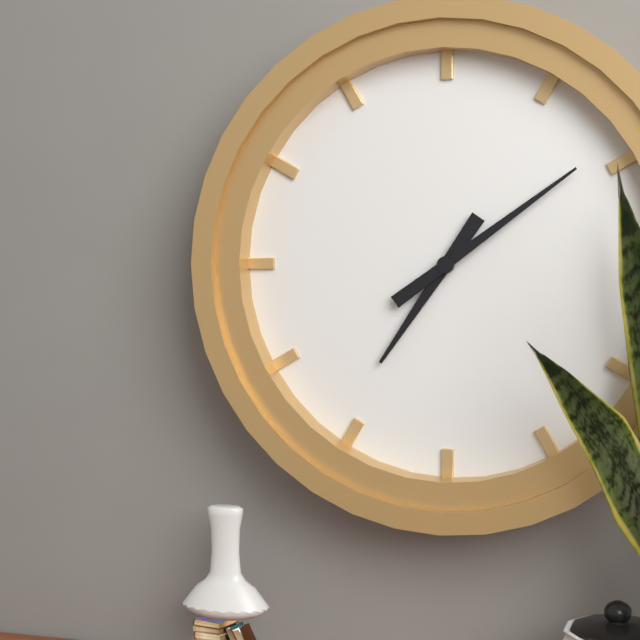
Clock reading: 7h09
